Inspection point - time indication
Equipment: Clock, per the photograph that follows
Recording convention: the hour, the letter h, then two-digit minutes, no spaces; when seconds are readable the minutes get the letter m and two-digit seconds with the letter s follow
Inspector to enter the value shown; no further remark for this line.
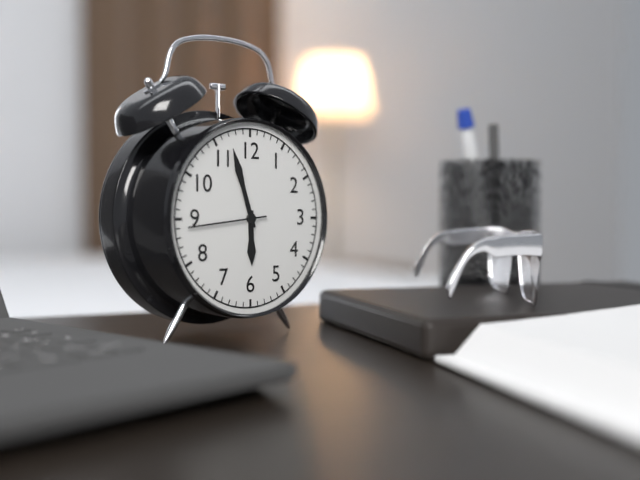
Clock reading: 5h57m44s
